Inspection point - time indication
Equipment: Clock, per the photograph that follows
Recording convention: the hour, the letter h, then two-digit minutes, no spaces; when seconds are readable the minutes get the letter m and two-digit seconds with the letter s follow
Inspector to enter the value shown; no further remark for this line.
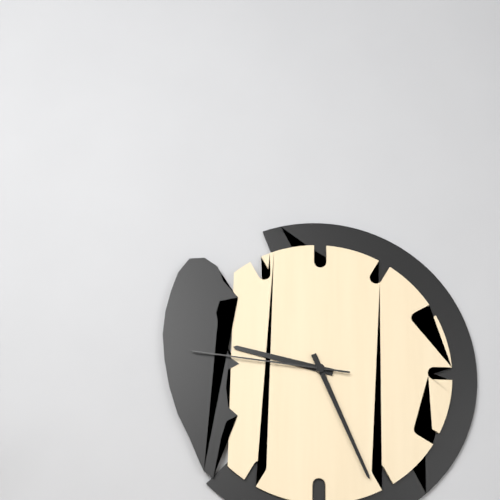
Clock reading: 9h26m46s
